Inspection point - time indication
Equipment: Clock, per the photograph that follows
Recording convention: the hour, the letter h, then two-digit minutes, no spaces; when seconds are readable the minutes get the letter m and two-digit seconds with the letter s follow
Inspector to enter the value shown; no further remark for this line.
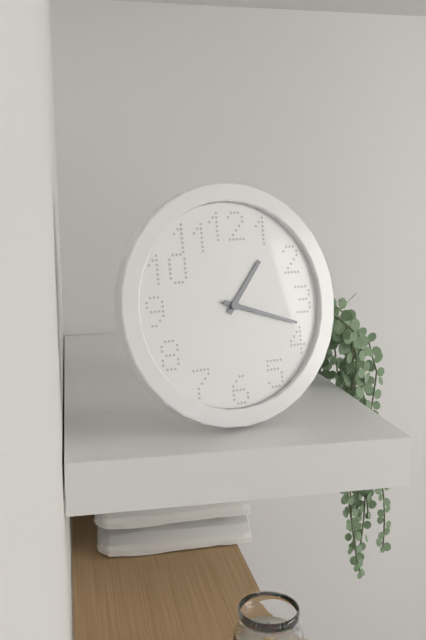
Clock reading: 1h18
